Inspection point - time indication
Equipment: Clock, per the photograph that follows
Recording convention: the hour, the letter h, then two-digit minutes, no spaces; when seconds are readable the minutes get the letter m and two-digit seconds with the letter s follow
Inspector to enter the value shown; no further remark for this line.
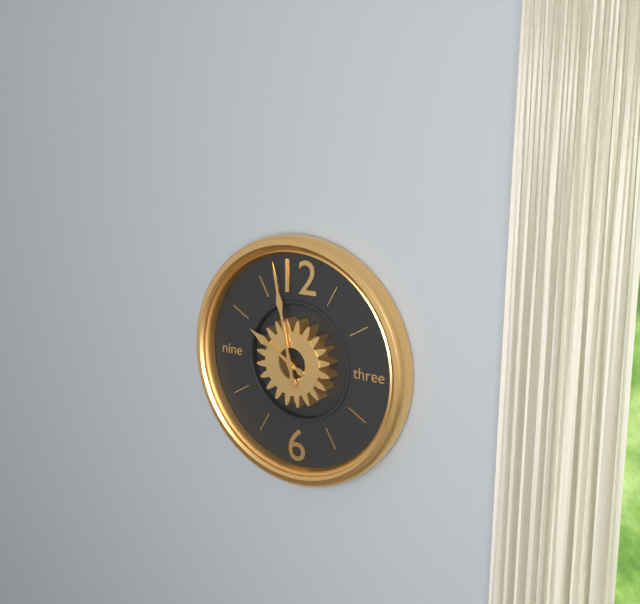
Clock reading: 9h58
